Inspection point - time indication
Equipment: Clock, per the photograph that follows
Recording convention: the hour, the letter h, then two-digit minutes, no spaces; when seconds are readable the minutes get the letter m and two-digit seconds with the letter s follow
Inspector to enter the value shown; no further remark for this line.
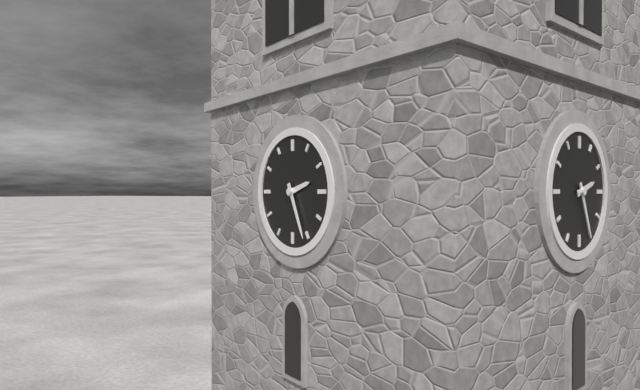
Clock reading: 2h26
